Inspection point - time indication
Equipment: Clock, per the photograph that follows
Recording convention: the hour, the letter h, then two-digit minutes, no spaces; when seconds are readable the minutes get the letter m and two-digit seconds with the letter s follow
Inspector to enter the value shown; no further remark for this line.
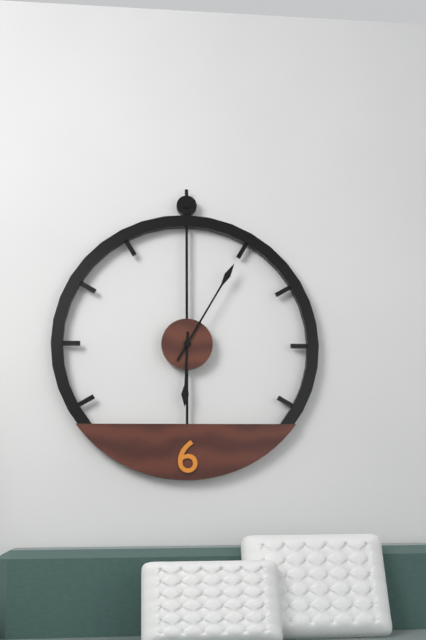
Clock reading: 6h05
